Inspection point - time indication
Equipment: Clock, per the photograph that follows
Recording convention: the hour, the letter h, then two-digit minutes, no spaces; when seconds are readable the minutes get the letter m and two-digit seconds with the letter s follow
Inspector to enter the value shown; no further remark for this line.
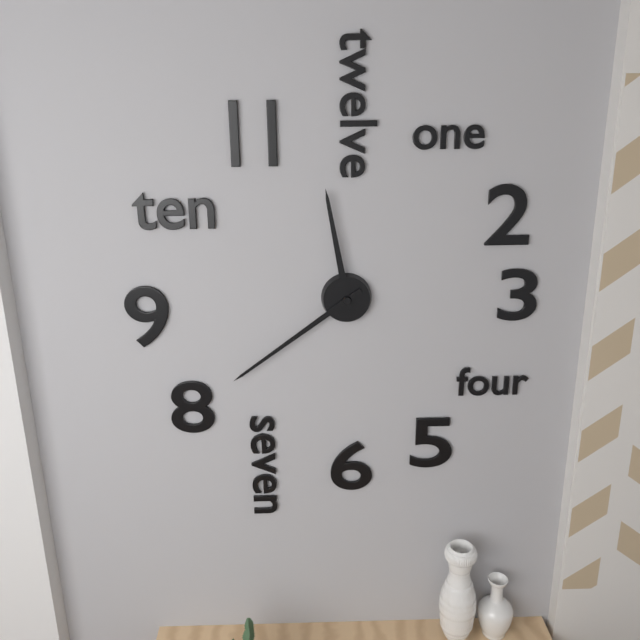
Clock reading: 11h39
